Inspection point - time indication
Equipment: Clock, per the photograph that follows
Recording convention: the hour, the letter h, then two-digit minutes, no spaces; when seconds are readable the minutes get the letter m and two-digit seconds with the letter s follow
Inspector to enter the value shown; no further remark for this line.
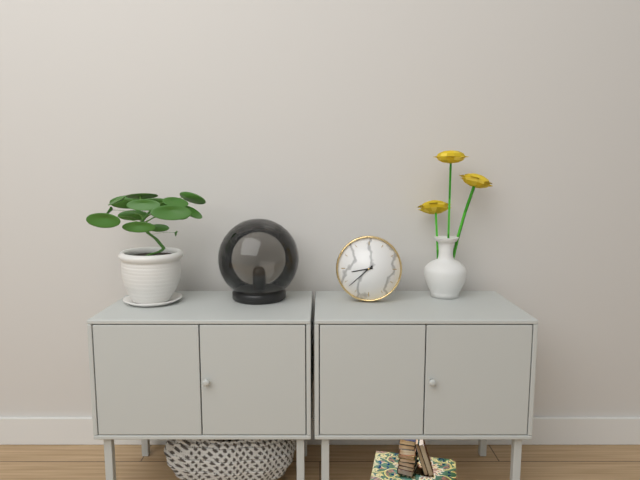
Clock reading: 8h38
